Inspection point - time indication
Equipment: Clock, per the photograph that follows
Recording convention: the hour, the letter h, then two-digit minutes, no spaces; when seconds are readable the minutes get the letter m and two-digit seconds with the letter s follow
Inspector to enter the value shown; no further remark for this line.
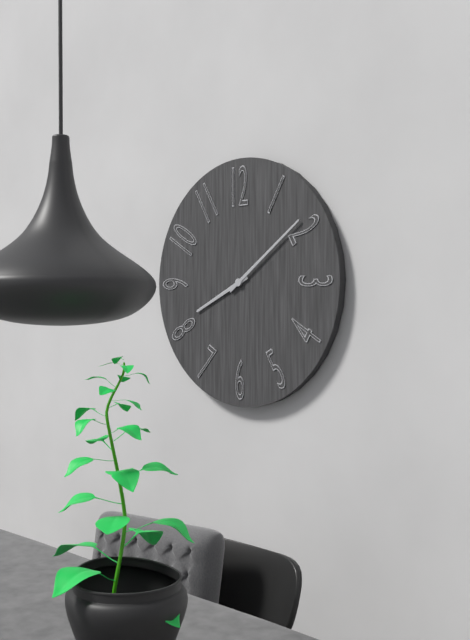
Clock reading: 8h09
